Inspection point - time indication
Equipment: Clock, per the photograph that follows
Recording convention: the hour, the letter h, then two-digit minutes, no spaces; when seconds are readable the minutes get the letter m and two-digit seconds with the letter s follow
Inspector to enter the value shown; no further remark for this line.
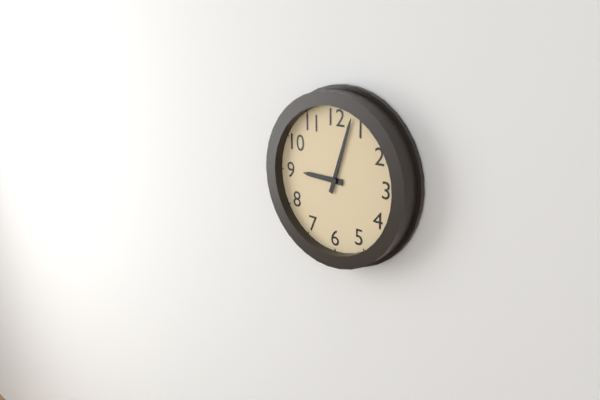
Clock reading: 9h03
